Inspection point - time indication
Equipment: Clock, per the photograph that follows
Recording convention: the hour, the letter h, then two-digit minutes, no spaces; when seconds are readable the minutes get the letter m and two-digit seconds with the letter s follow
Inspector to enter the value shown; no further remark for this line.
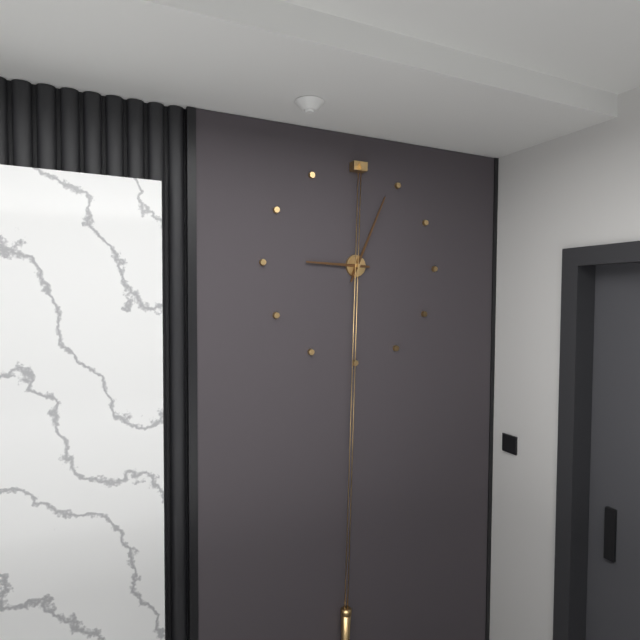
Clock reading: 9h04
